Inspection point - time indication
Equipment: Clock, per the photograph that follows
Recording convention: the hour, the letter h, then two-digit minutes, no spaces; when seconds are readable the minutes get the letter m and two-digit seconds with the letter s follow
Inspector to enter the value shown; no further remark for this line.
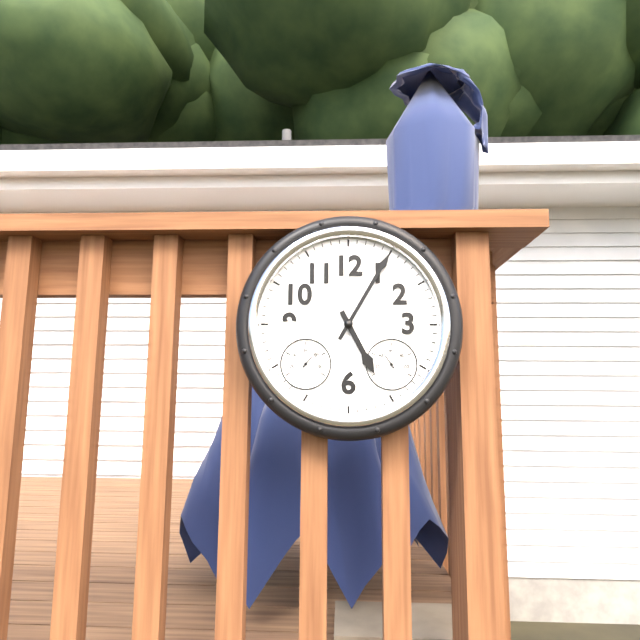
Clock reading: 5h05
